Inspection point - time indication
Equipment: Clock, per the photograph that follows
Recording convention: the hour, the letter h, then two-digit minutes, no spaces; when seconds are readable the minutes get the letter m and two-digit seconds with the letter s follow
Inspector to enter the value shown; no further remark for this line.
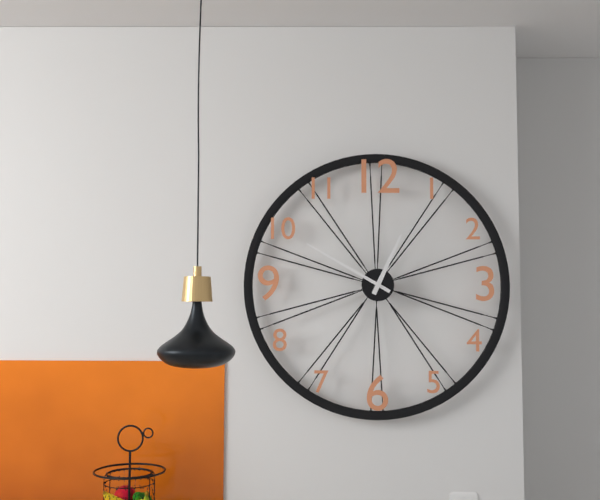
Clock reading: 12h50
